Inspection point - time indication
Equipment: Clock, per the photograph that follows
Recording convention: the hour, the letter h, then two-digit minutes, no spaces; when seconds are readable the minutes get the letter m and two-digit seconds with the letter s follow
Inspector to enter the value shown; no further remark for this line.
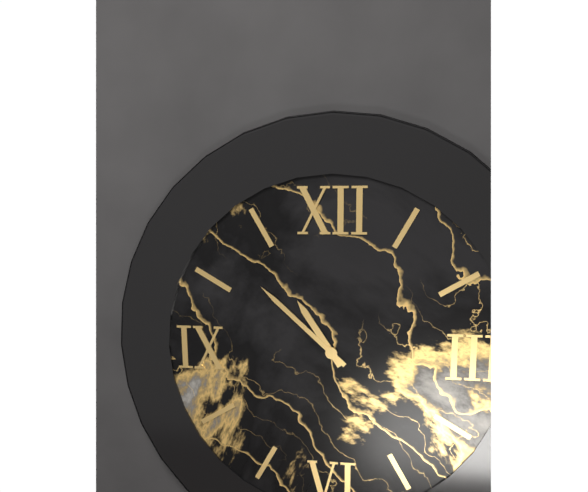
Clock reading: 10h52
